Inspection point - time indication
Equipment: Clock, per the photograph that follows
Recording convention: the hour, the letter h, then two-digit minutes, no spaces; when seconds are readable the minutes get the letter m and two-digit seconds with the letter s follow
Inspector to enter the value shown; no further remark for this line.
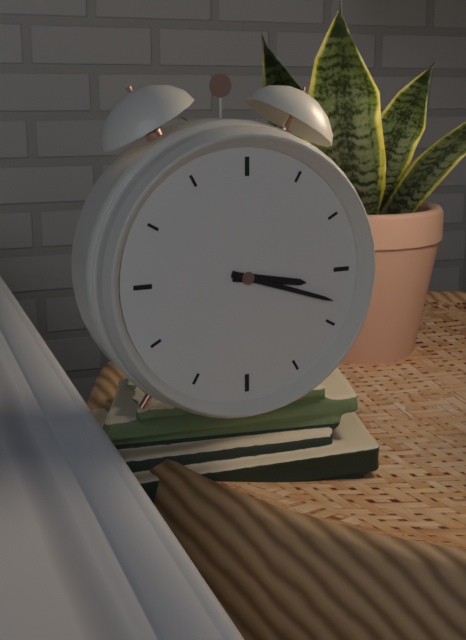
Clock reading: 3h18
